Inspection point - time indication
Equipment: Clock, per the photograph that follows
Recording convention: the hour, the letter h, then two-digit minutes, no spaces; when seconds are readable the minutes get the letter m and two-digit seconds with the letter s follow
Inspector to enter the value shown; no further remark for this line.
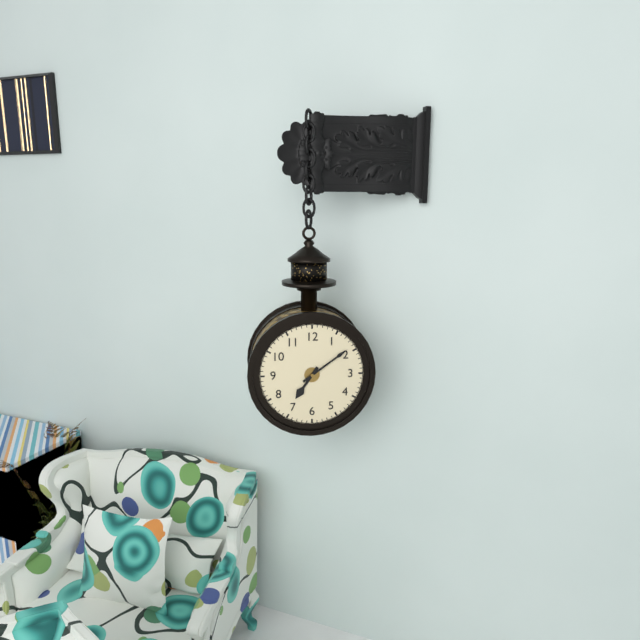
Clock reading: 7h09
